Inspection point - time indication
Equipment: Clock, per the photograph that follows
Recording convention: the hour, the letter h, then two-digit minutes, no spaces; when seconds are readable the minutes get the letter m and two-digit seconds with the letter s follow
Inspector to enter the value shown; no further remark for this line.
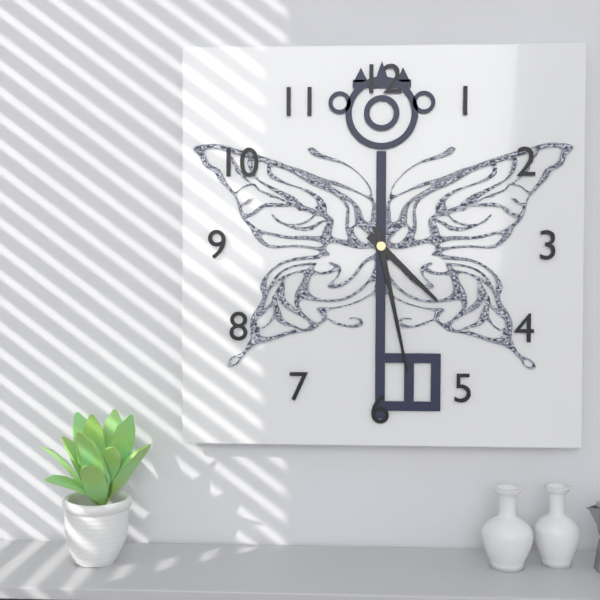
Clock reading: 4h28
